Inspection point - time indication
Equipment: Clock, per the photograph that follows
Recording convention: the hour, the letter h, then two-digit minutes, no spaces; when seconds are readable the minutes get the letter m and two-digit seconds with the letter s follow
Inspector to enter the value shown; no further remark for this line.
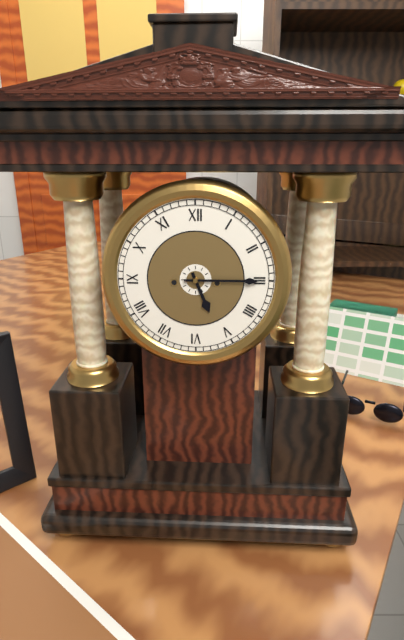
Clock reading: 5h15
